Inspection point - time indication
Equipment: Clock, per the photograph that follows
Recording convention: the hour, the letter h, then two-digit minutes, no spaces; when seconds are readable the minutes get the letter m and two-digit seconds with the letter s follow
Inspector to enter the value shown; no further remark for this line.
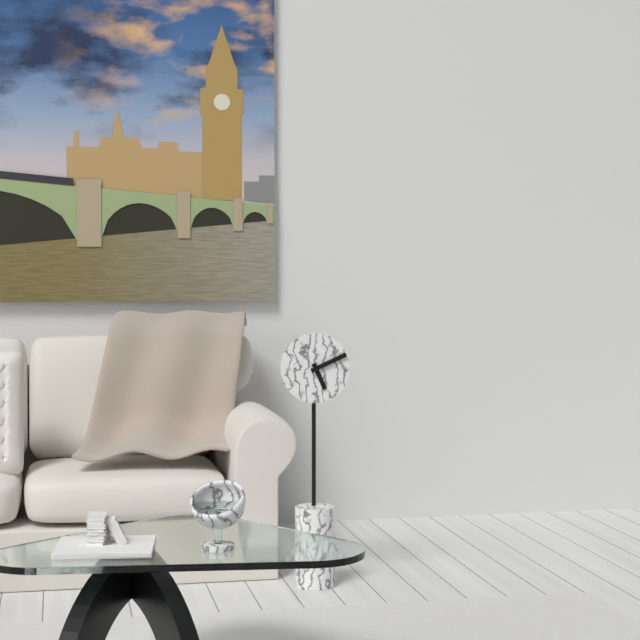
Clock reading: 5h11
